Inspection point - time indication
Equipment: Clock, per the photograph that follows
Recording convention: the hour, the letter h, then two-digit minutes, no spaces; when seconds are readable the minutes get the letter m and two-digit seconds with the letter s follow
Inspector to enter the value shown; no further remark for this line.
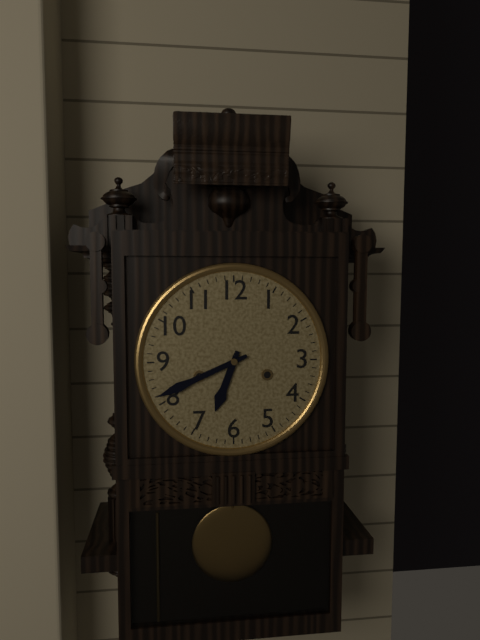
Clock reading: 6h41
